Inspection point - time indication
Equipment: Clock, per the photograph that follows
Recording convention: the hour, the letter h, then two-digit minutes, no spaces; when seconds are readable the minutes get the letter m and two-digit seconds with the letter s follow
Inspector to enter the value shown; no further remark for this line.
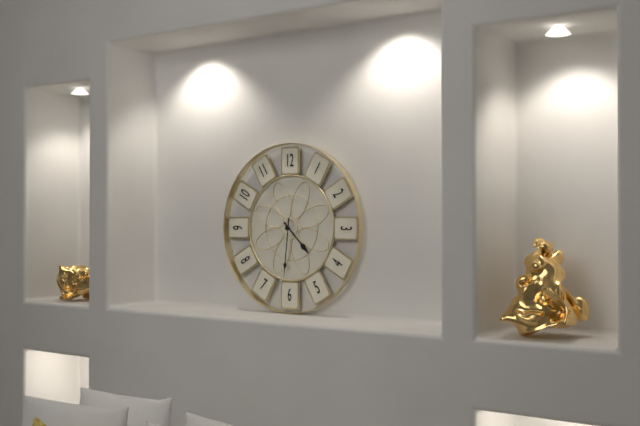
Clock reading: 4h31
